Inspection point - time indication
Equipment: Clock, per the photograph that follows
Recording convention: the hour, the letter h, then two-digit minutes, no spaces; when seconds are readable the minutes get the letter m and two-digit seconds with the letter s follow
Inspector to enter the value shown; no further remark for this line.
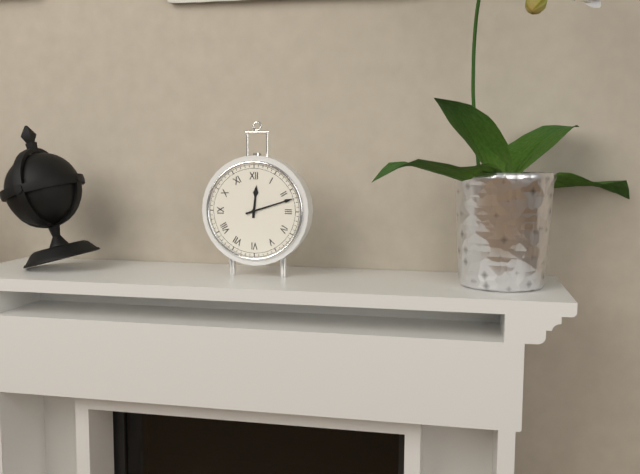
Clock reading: 12h12
